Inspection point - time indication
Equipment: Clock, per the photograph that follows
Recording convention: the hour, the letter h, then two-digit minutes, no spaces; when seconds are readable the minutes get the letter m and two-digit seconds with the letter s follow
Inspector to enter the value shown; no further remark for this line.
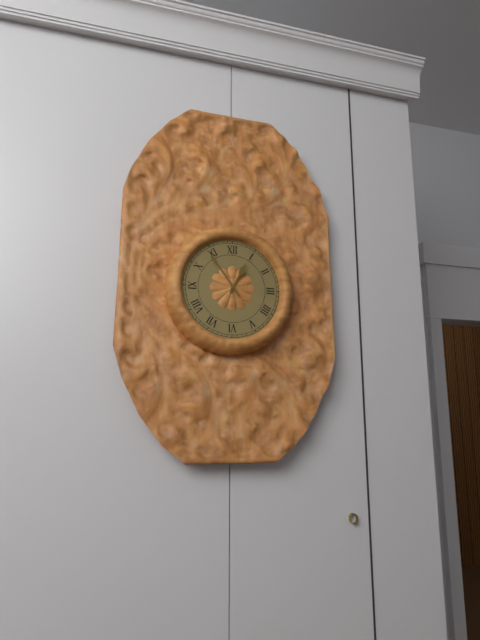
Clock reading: 12h54
